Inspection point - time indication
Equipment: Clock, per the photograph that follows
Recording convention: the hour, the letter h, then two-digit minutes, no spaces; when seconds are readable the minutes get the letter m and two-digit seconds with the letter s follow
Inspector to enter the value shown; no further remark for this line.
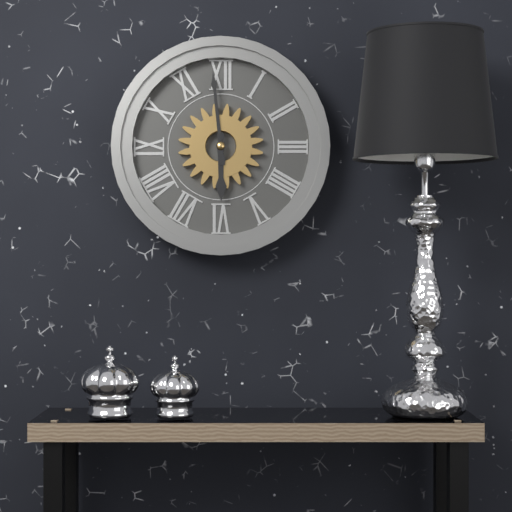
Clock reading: 5h59
